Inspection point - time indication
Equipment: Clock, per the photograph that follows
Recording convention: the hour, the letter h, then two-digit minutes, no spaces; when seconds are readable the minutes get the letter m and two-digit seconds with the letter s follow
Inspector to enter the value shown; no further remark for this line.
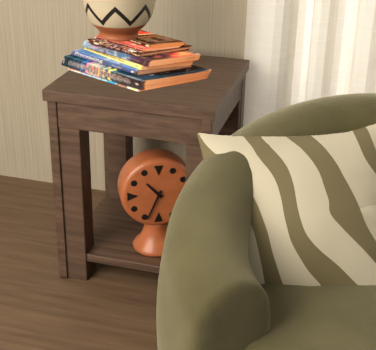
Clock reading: 10h34
